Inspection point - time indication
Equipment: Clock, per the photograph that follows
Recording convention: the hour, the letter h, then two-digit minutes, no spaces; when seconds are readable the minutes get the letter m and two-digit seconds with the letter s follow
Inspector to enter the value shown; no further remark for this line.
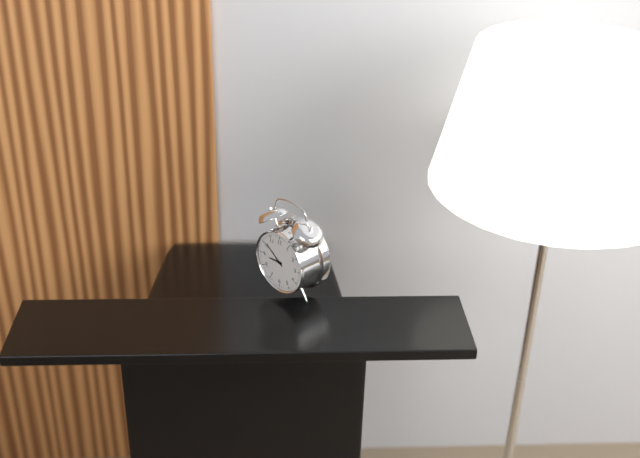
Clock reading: 8h51
